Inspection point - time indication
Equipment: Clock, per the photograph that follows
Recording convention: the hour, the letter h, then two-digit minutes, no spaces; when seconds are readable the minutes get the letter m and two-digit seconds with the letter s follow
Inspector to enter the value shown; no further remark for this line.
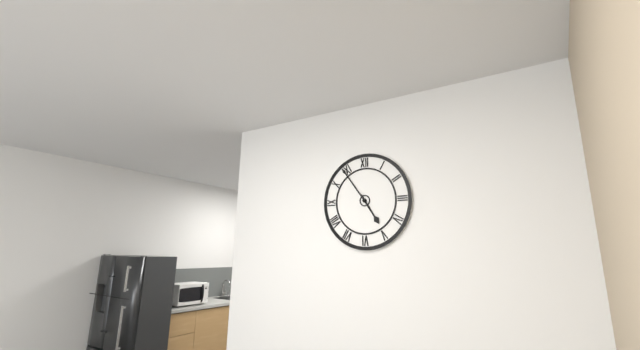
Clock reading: 4h54
